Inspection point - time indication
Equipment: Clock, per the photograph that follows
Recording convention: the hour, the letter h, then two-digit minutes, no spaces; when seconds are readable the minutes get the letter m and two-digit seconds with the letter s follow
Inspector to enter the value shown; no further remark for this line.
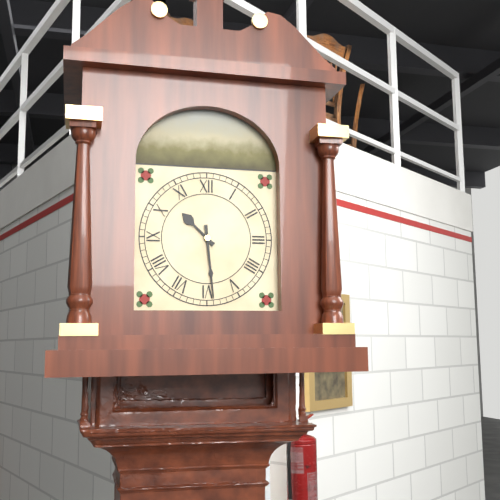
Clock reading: 10h29
